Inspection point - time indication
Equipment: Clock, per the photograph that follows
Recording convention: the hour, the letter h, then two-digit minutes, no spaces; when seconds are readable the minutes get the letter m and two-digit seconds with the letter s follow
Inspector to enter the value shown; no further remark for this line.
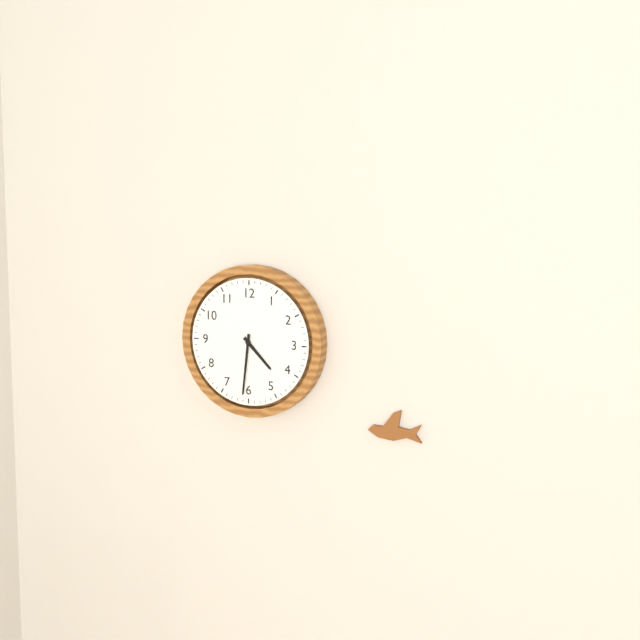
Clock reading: 4h31
